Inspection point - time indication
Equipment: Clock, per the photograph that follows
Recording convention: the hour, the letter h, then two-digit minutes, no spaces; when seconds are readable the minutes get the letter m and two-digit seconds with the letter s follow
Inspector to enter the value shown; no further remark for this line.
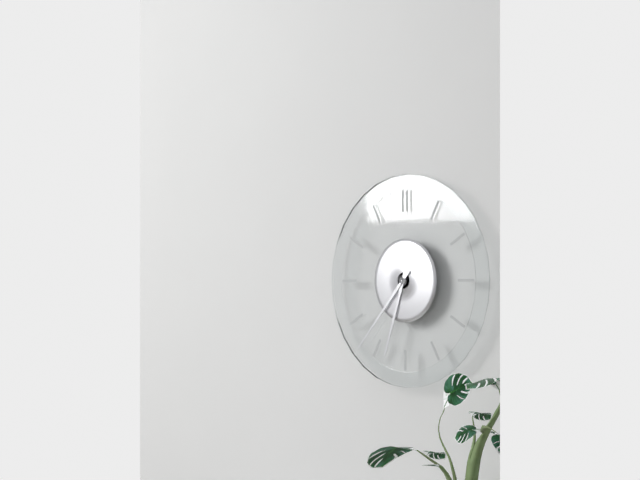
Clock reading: 6h37
